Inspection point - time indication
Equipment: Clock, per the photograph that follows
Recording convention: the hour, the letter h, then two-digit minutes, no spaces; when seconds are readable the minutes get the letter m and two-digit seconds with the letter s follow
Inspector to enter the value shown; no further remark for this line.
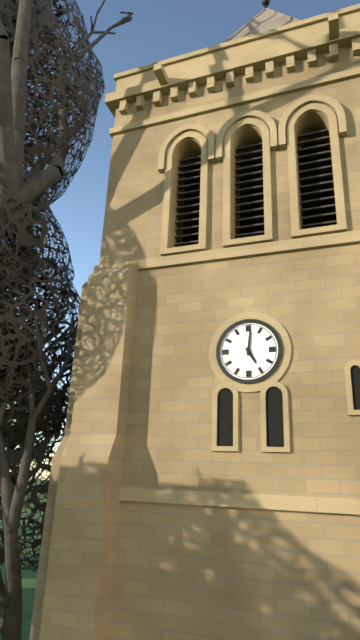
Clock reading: 5h01
